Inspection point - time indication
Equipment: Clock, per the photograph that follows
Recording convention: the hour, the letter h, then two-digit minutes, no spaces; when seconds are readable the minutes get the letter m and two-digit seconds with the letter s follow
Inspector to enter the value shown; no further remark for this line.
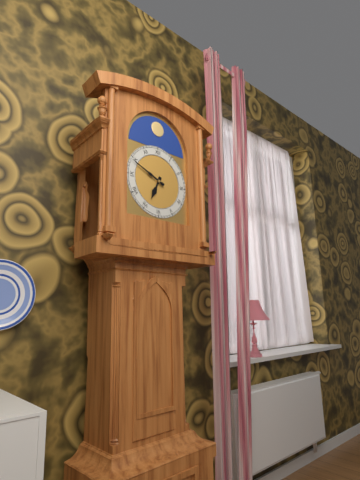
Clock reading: 6h49
